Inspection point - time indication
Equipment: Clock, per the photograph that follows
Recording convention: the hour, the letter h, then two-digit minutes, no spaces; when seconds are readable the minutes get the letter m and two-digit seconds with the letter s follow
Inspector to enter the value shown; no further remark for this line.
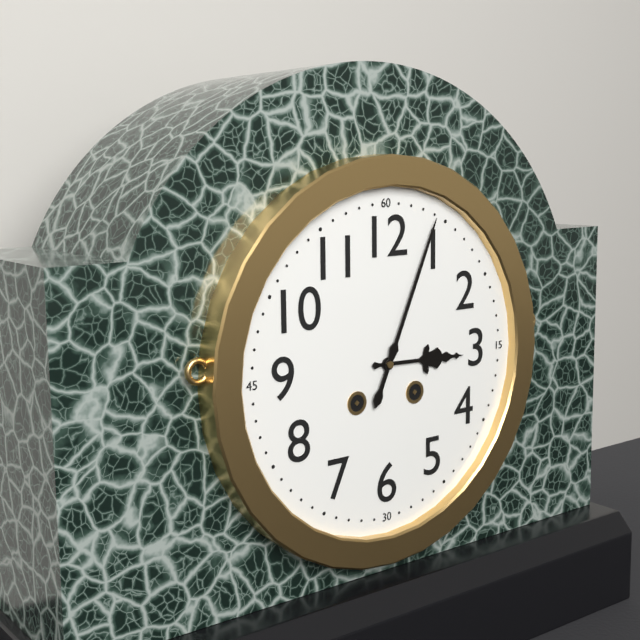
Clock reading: 3h04
